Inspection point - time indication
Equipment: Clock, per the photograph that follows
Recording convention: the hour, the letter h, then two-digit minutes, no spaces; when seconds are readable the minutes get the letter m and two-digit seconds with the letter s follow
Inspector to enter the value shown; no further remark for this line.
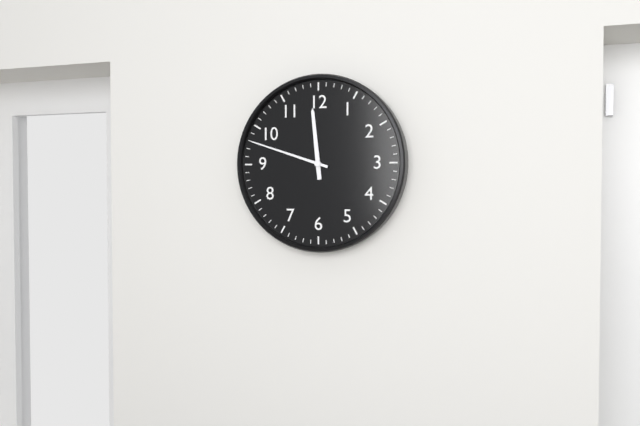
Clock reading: 11h48
